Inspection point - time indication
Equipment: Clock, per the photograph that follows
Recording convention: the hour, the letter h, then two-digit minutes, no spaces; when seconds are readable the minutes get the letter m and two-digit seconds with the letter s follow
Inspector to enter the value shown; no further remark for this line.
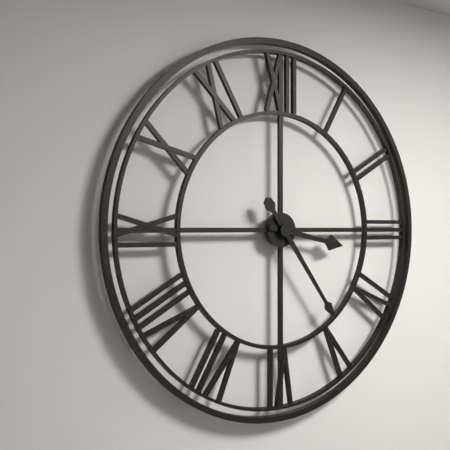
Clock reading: 3h24
